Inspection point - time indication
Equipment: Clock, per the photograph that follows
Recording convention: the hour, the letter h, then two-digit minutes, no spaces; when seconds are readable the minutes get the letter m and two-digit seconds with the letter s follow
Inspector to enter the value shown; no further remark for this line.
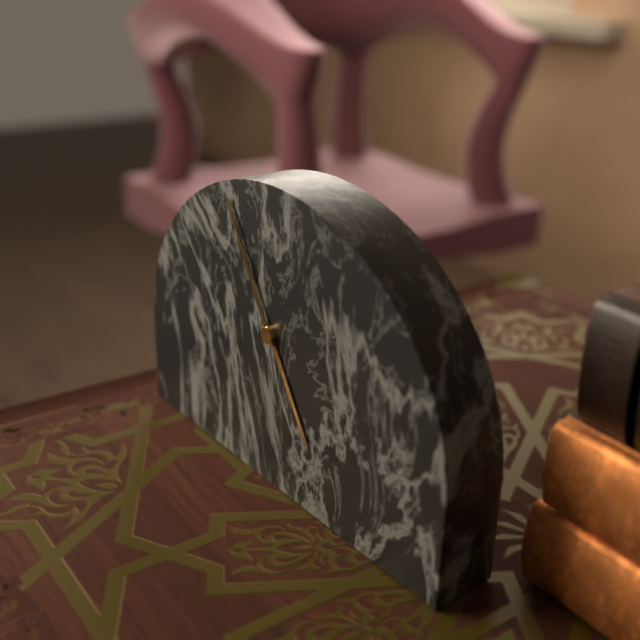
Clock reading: 4h55
